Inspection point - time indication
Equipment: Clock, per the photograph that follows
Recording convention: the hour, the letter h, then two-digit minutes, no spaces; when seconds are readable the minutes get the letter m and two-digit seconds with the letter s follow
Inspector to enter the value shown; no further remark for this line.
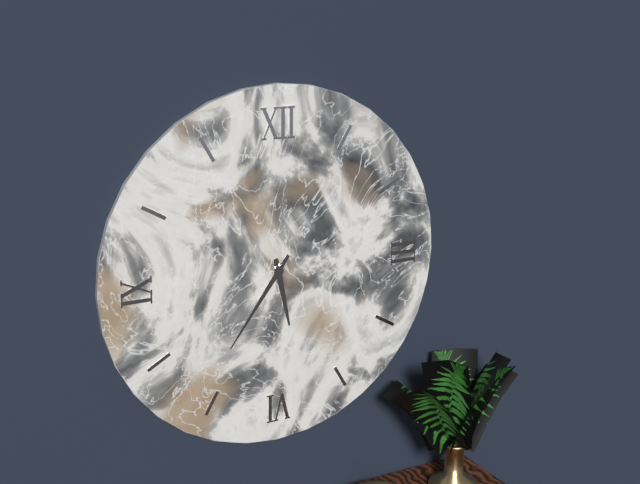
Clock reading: 5h36
